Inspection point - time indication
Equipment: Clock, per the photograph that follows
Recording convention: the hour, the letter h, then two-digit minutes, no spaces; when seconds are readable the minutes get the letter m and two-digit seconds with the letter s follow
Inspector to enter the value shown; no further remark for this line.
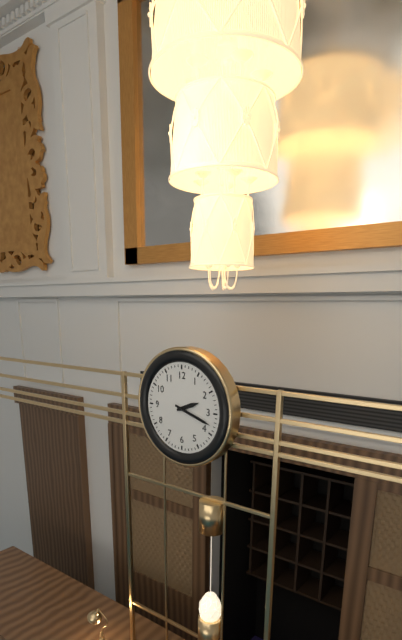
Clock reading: 2h18
